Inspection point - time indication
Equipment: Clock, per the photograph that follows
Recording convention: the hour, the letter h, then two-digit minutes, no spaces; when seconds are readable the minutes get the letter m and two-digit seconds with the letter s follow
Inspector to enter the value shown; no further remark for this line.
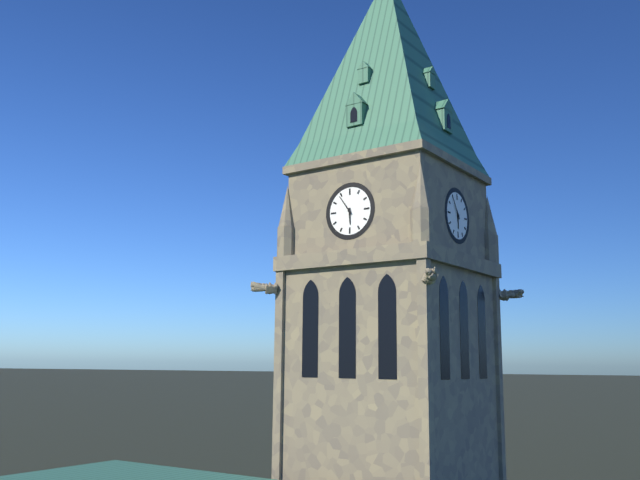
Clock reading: 5h54
